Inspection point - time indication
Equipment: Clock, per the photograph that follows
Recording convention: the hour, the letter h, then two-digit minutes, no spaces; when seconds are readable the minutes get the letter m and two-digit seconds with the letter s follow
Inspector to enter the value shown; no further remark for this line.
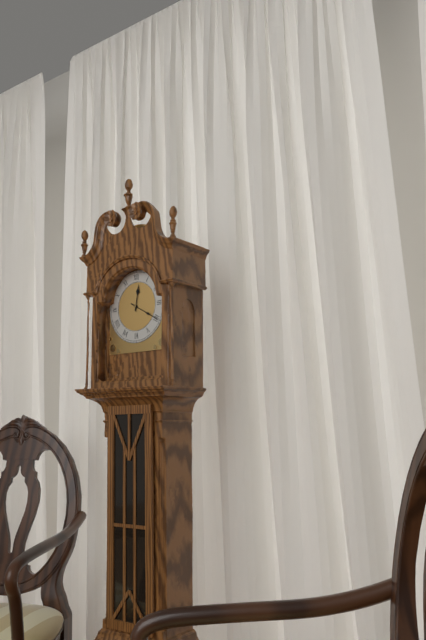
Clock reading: 12h20
